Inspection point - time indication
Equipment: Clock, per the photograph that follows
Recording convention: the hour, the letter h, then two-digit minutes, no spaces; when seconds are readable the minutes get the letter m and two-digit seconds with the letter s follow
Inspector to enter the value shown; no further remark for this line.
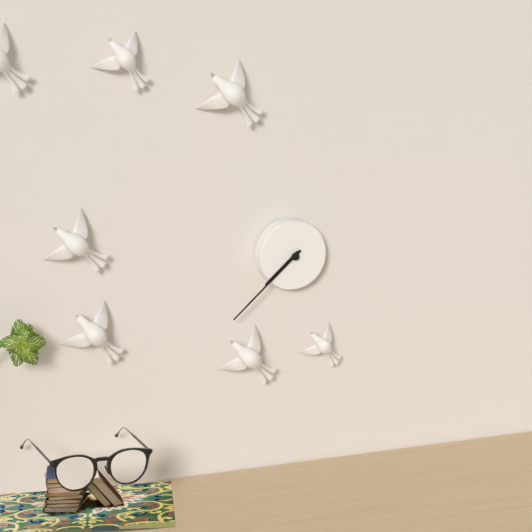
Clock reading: 7h38
